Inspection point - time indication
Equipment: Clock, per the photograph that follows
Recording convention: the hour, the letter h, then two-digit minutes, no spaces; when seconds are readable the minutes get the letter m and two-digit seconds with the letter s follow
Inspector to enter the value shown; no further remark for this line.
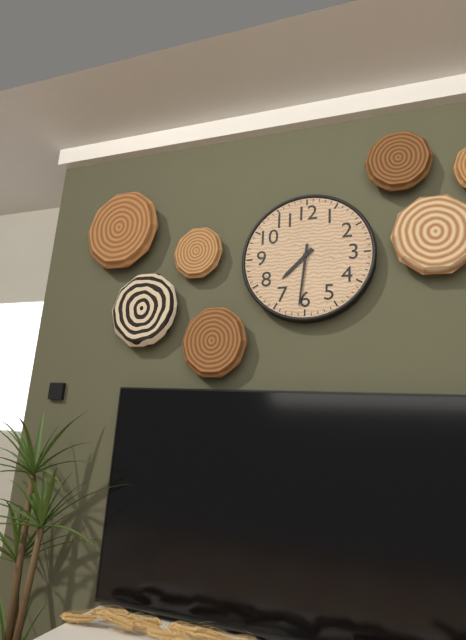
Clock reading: 7h31
